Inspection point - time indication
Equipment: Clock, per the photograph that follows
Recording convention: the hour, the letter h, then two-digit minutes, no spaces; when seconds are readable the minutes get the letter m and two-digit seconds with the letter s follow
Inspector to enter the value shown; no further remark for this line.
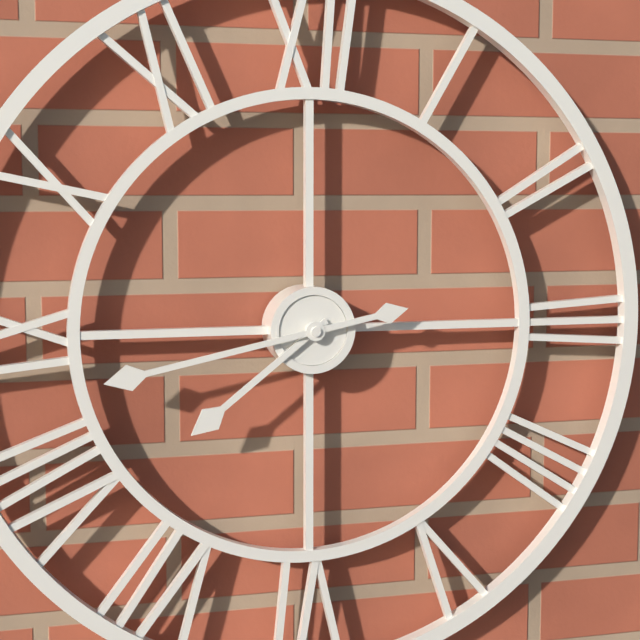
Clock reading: 7h43
